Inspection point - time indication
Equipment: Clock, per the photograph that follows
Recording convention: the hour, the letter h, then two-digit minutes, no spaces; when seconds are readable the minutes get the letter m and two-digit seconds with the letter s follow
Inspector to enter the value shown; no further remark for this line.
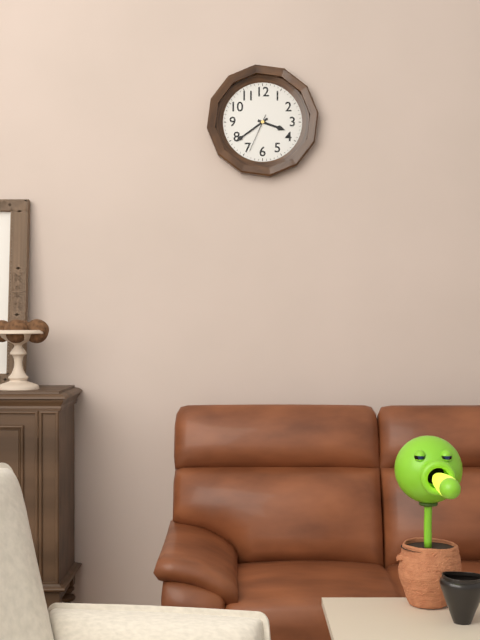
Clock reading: 3h39
